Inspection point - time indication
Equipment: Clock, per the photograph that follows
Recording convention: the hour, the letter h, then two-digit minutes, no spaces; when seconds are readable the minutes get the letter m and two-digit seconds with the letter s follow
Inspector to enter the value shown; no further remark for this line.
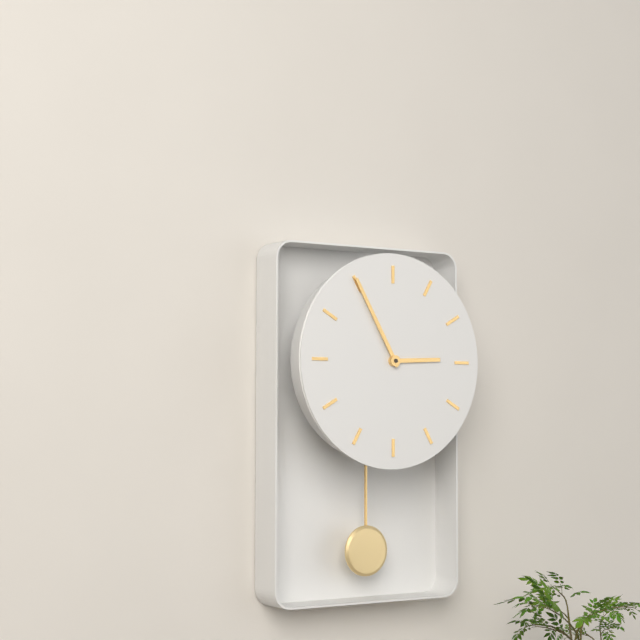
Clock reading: 2h55
